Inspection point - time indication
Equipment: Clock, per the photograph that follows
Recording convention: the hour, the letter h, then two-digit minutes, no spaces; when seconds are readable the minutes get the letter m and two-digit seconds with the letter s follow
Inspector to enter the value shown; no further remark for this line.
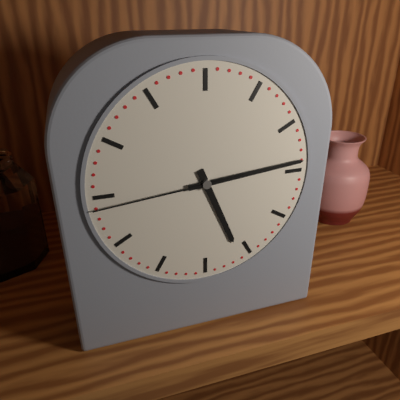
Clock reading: 5h14m44s
